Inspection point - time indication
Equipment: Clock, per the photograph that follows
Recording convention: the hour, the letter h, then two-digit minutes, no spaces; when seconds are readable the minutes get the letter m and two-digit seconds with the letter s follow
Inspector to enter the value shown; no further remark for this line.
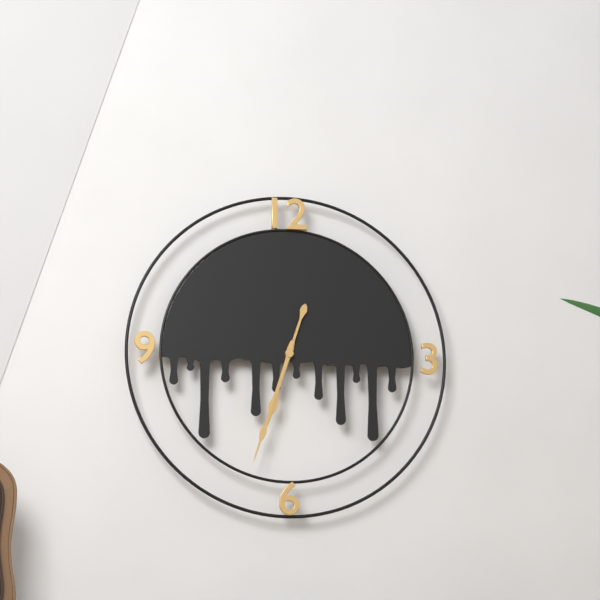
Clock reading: 6h33
